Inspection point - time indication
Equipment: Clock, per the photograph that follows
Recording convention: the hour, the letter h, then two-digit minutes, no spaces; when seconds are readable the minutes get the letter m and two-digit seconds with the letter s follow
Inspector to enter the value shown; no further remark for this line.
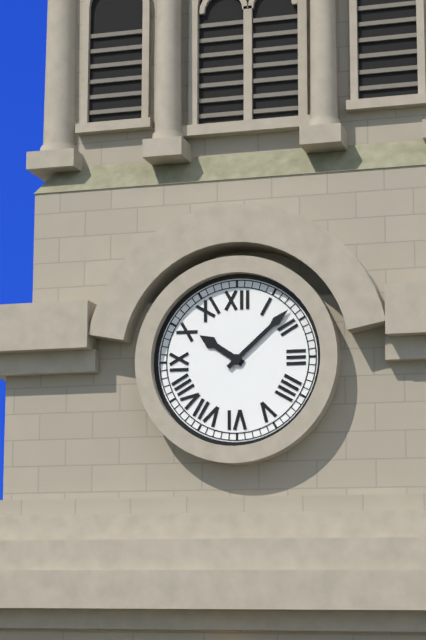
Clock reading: 10h08
